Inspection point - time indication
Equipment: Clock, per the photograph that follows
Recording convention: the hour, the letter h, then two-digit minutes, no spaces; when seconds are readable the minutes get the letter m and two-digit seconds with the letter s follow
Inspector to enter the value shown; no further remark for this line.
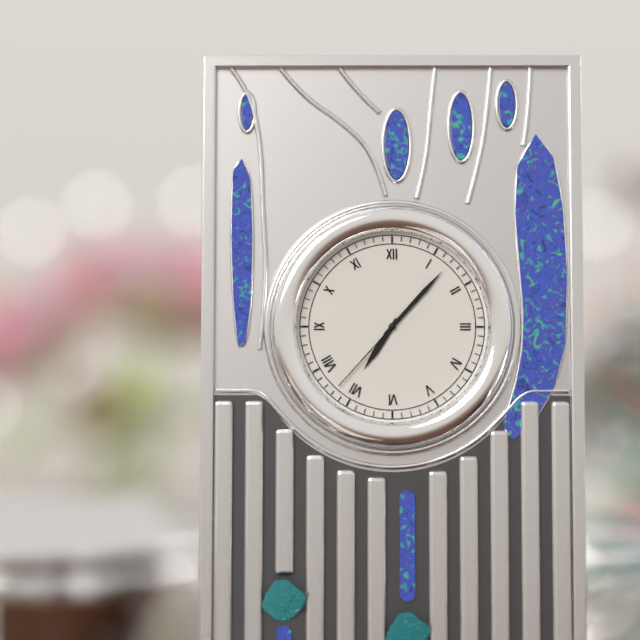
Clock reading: 7h07m37s
